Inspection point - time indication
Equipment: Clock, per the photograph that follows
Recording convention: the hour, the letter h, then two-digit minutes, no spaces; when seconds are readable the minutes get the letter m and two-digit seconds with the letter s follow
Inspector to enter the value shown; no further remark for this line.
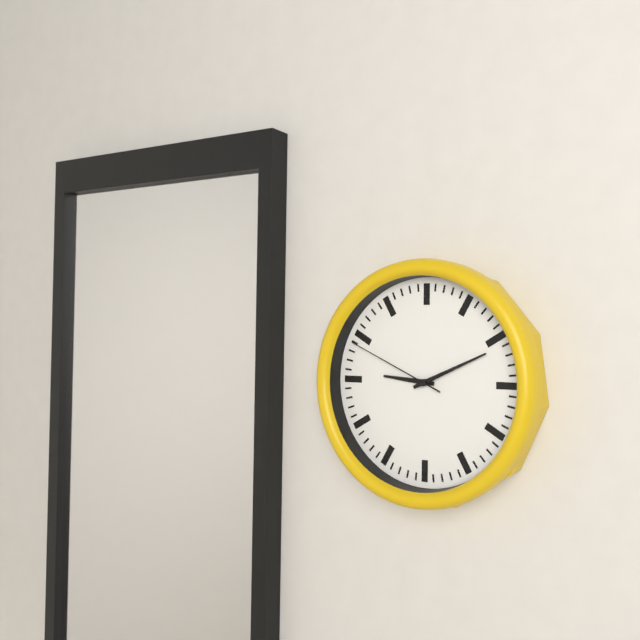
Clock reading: 9h11m49s
